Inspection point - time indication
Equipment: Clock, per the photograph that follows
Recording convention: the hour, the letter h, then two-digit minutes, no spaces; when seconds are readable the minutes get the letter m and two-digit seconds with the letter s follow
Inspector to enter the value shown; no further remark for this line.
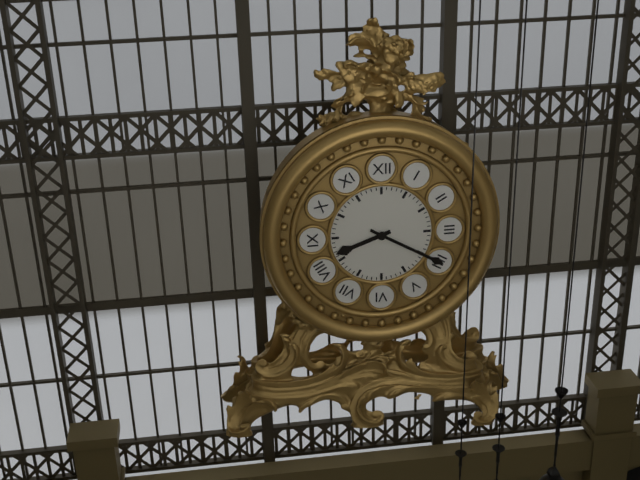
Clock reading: 8h20
